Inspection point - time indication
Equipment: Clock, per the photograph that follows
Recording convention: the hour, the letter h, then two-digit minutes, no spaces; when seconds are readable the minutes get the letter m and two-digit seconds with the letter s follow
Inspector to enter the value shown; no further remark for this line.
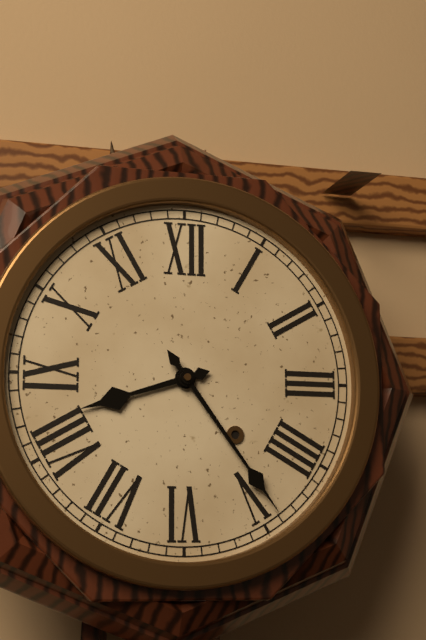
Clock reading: 8h24
